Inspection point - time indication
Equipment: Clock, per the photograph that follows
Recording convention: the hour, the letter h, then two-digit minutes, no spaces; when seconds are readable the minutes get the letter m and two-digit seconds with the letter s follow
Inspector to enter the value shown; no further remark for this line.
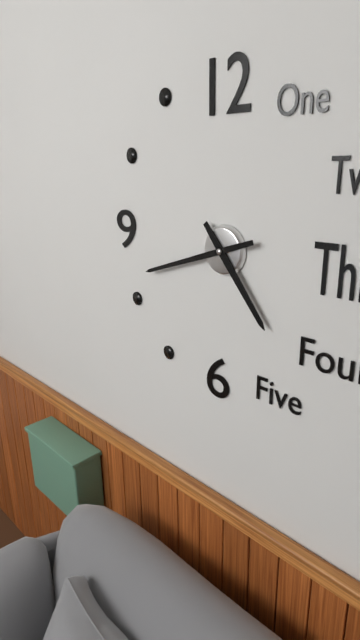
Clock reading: 4h42
